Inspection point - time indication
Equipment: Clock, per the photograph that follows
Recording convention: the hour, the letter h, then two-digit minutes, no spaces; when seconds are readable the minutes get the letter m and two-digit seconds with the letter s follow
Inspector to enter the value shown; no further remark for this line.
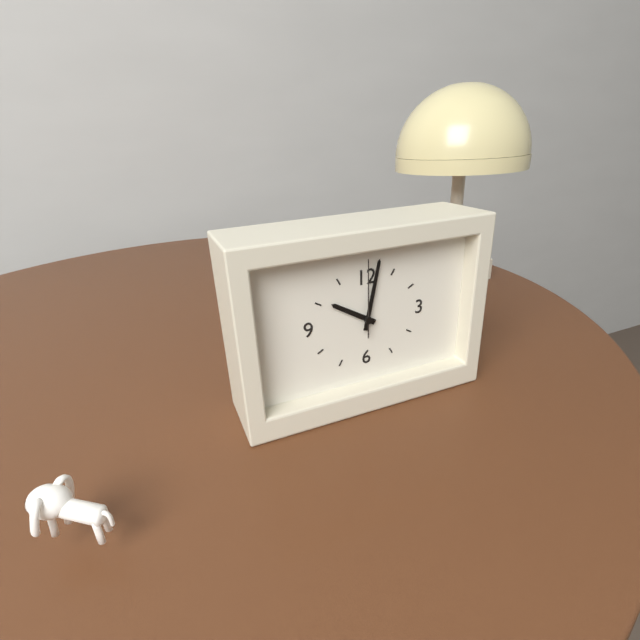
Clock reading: 10h02m00s
